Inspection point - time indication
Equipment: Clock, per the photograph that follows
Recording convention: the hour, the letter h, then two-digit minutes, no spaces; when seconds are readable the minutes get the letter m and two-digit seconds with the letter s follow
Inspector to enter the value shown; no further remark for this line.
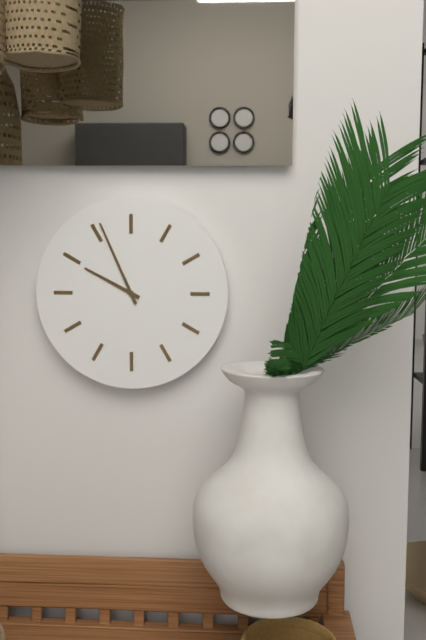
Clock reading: 9h56
